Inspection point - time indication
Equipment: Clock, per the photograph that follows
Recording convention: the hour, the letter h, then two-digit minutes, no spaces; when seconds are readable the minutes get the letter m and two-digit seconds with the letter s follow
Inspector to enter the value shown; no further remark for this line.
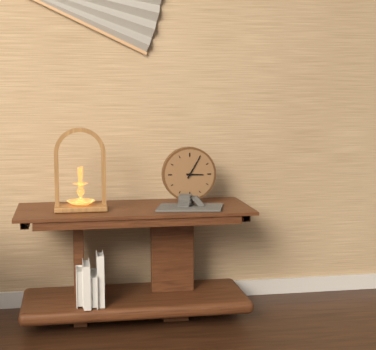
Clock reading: 3h05
